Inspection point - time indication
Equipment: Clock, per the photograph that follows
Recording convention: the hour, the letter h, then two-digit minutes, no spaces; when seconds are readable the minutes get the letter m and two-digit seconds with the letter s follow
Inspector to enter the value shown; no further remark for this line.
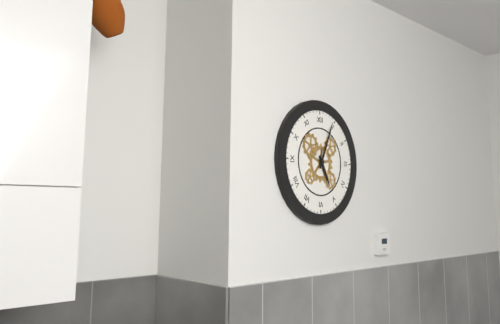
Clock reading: 5h04
